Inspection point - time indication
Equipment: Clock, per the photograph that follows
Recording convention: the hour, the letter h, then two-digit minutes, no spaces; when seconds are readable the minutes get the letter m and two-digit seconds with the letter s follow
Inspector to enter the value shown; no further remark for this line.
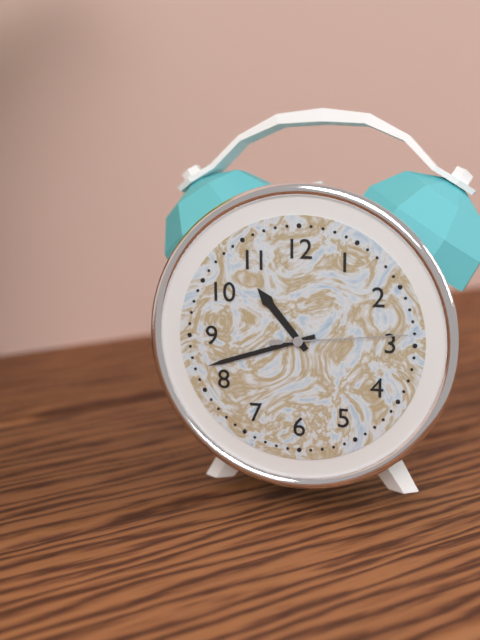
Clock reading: 10h42m14s
